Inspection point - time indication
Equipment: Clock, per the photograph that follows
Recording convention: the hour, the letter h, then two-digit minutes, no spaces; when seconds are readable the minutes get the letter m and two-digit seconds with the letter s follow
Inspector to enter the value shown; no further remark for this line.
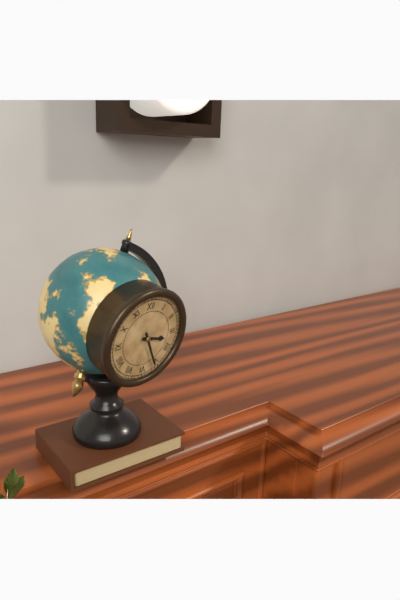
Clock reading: 3h26
